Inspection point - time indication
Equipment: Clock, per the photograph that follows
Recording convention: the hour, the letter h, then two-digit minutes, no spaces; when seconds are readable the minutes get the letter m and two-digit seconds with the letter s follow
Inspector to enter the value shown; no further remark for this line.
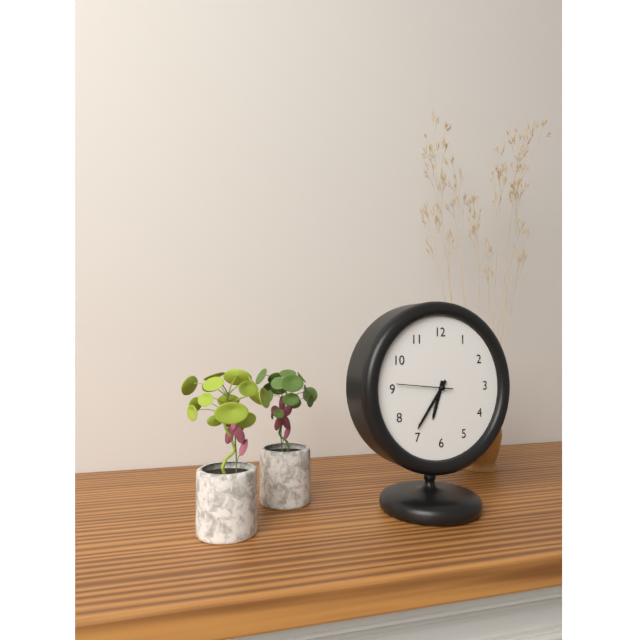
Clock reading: 6h36m46s
